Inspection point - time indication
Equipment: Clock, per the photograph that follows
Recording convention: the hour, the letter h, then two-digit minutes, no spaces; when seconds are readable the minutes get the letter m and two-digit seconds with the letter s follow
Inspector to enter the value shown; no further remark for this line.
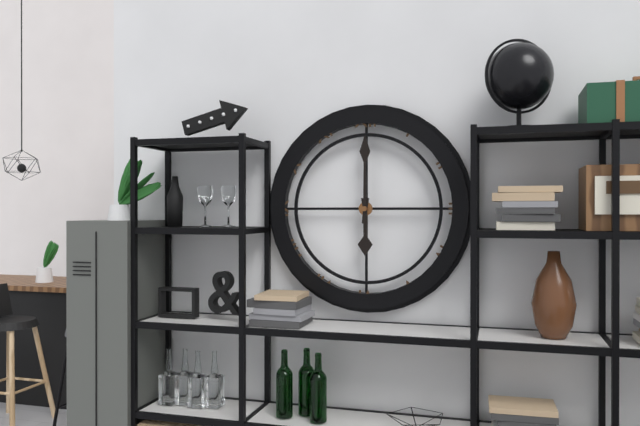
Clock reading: 6h00
